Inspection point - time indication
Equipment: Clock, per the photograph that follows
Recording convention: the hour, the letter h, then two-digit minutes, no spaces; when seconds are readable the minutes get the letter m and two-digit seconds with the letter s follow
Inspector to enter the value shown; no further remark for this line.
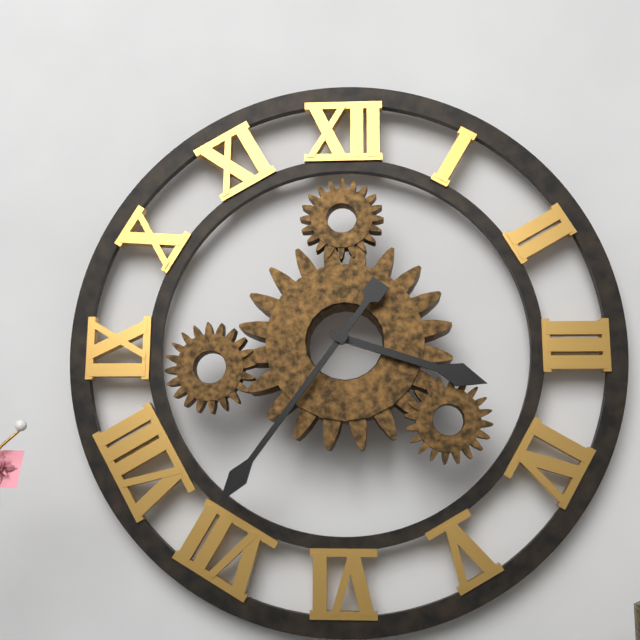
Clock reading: 3h36
